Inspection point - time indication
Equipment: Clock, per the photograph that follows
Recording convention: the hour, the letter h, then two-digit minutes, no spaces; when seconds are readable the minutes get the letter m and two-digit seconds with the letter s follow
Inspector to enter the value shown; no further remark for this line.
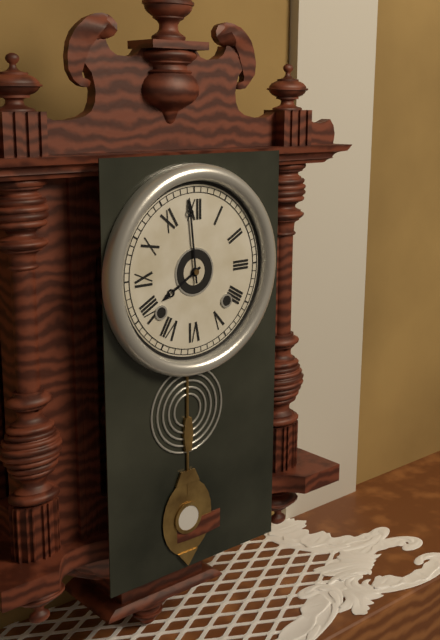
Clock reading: 7h59
